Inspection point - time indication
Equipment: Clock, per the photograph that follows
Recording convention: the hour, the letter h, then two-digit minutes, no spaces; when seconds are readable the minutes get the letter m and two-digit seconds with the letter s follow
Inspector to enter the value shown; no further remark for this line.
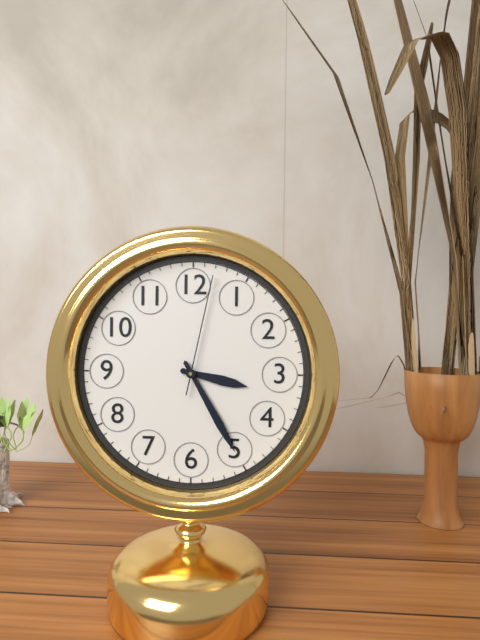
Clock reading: 3h25m02s
